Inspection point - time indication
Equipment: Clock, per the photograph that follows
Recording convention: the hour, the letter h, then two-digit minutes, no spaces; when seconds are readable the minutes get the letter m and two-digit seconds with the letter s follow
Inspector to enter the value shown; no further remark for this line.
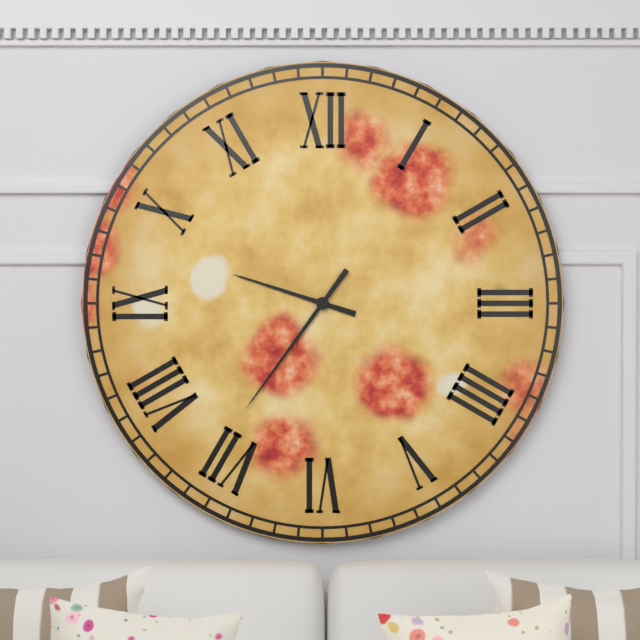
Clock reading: 9h36
